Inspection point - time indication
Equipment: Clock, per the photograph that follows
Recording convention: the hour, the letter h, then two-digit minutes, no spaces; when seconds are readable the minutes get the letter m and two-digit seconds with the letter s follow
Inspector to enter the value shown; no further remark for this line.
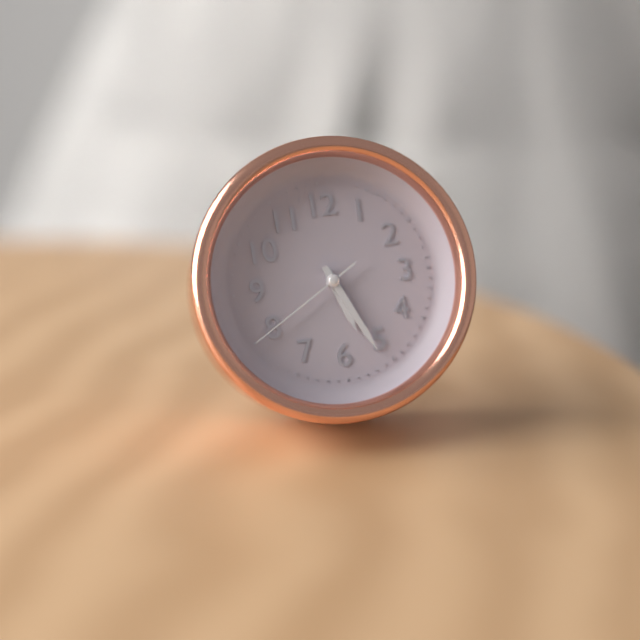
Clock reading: 5h26m40s
